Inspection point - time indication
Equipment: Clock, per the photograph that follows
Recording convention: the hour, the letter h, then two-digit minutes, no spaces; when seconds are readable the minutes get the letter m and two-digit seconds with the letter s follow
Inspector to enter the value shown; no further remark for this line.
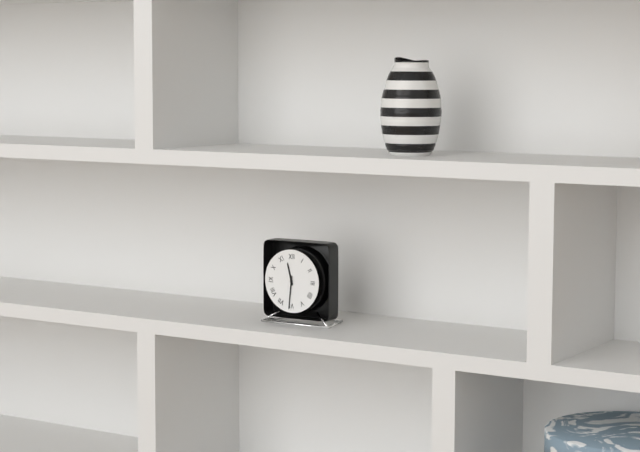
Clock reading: 11h31
